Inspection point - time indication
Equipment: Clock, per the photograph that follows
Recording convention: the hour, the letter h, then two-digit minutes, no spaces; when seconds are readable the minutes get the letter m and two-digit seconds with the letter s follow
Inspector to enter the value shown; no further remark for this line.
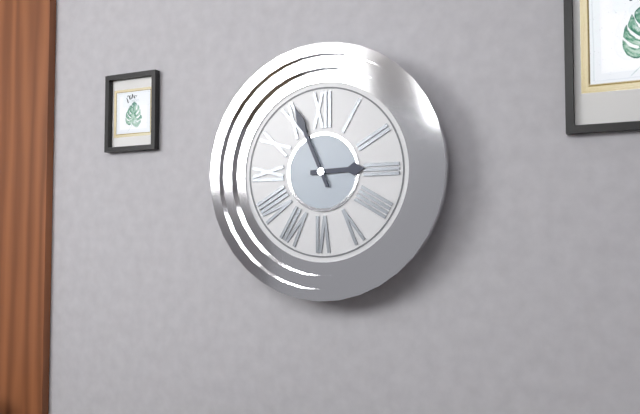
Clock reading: 2h56
